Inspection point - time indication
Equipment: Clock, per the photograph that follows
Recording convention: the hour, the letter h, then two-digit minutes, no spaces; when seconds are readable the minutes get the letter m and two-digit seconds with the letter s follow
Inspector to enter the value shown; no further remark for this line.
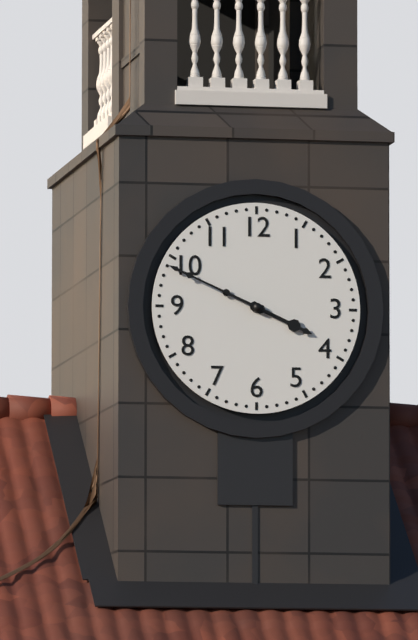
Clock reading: 3h49
